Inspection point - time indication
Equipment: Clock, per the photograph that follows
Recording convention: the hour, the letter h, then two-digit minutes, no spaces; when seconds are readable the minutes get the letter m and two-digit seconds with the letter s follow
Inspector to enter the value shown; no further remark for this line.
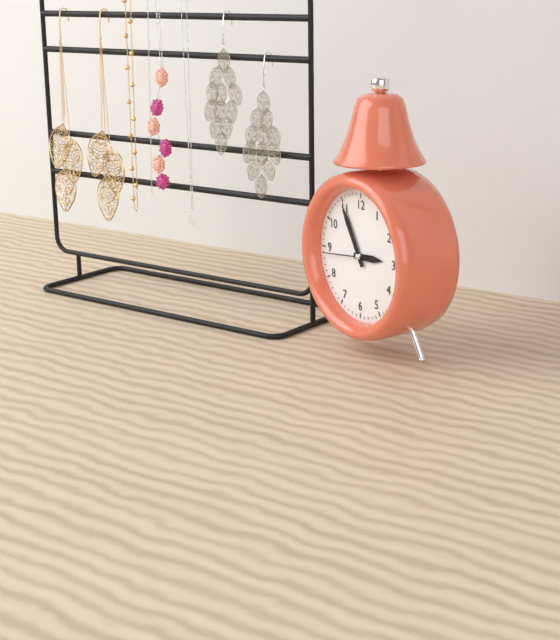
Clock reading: 2h55
